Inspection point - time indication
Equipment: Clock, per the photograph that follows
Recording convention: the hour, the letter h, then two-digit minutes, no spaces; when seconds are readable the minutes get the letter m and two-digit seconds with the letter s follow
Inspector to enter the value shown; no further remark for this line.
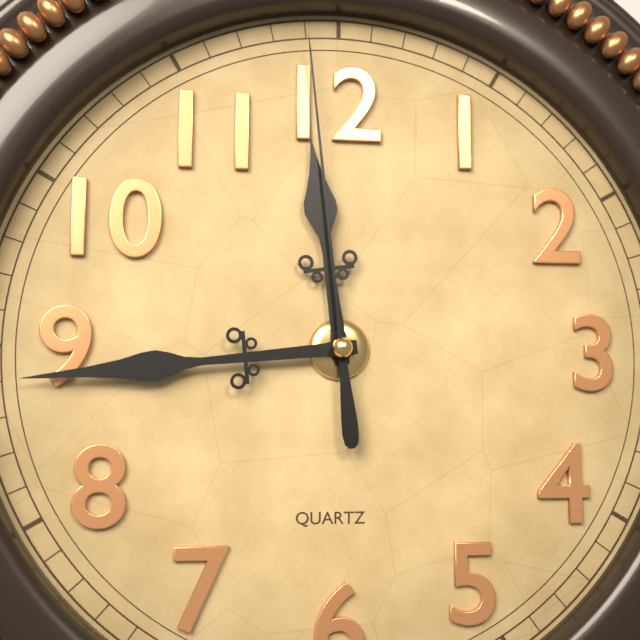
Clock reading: 11h44m59s
